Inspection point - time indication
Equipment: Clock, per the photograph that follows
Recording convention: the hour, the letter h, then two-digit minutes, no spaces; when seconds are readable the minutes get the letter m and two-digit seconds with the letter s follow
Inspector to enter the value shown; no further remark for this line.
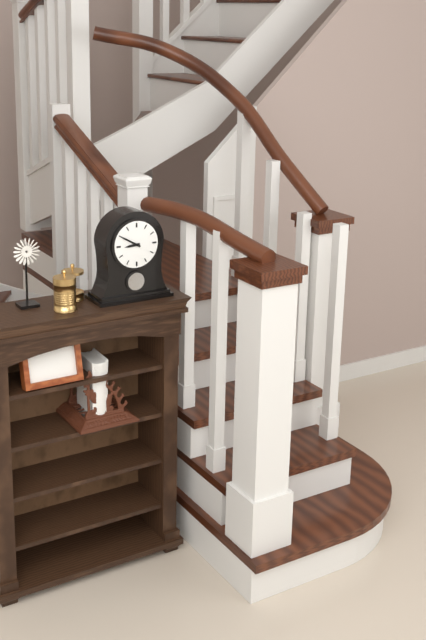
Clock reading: 8h50
